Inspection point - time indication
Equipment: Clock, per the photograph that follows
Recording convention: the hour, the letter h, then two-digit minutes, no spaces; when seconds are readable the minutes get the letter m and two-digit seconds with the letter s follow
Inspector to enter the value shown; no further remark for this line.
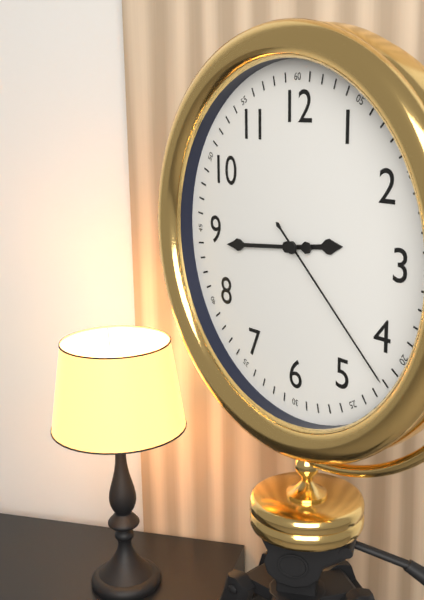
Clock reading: 2h44m22s
